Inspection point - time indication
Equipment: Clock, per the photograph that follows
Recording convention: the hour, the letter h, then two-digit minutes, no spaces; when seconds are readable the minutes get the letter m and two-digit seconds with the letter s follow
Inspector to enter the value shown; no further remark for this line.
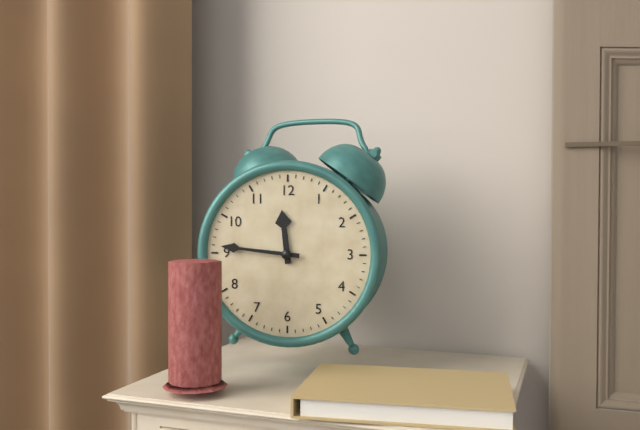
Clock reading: 11h46
